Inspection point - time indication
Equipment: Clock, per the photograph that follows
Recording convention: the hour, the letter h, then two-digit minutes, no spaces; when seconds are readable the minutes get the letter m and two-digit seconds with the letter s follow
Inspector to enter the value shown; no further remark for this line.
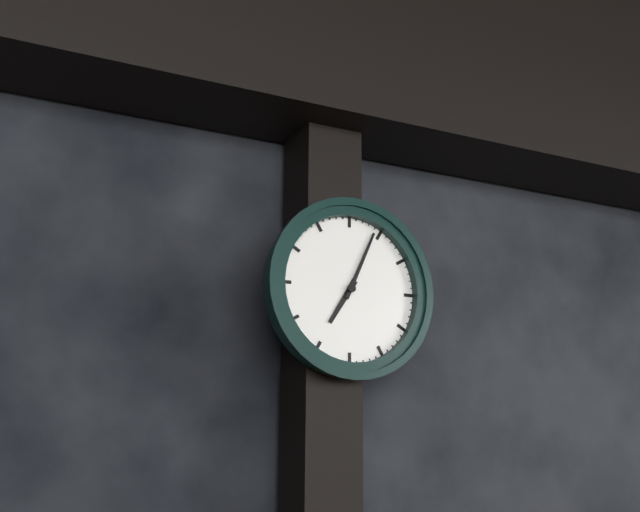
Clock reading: 7h04
